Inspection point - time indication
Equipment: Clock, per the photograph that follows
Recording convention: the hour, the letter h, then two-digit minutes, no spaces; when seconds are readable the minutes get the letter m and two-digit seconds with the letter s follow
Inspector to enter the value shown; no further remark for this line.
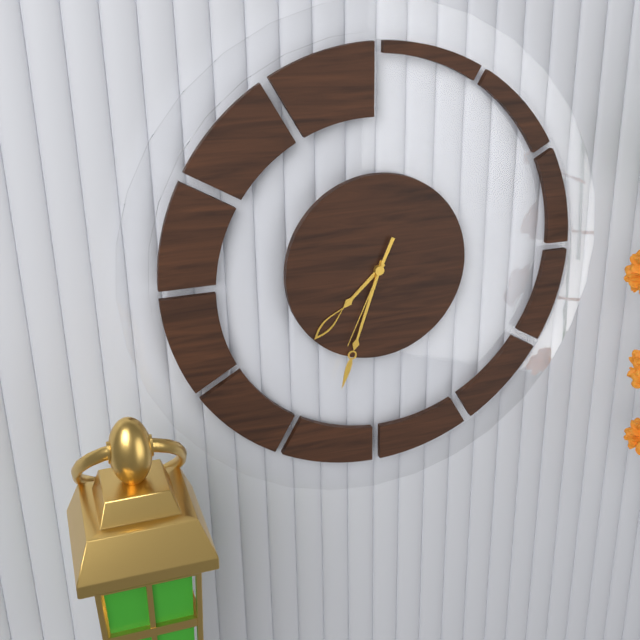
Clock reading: 7h33m34s
